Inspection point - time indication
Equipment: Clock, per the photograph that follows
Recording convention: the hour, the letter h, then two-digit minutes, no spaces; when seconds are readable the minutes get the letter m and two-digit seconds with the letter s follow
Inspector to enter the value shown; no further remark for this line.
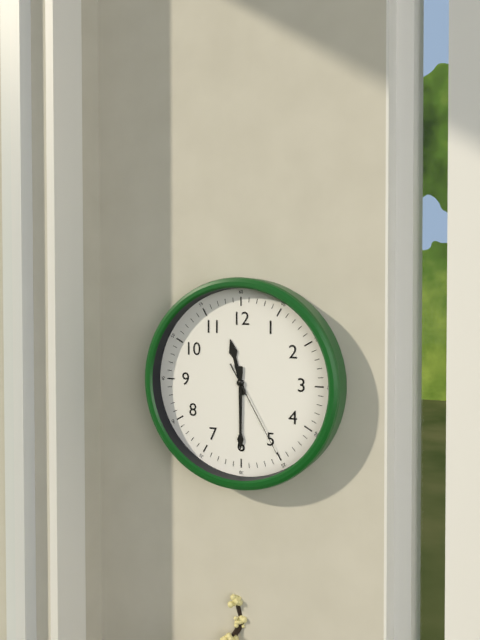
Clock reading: 11h30m25s
